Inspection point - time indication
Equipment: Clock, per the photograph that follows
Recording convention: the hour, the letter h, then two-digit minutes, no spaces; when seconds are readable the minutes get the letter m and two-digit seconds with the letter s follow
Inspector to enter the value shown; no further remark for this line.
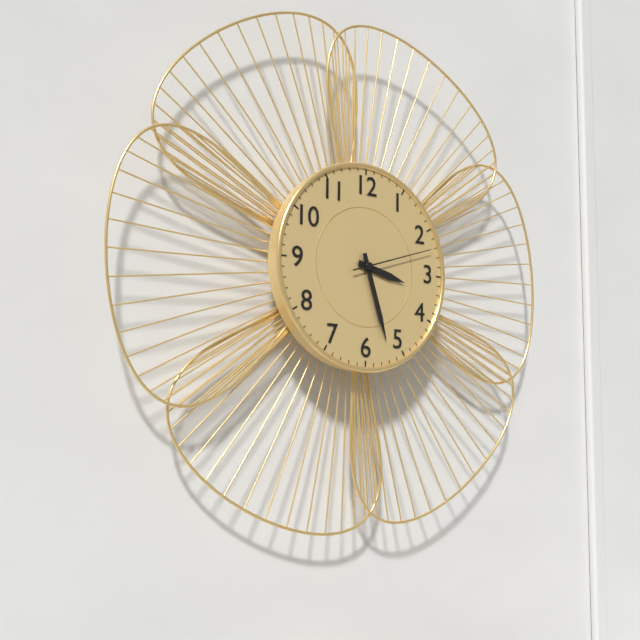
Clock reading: 3h27m12s
